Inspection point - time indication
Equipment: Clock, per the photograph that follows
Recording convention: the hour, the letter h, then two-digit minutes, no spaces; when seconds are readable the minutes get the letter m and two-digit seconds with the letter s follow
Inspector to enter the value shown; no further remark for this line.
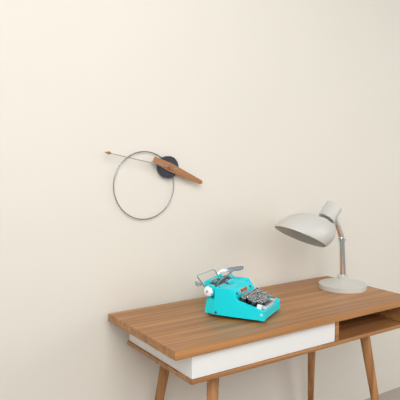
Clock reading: 3h47
